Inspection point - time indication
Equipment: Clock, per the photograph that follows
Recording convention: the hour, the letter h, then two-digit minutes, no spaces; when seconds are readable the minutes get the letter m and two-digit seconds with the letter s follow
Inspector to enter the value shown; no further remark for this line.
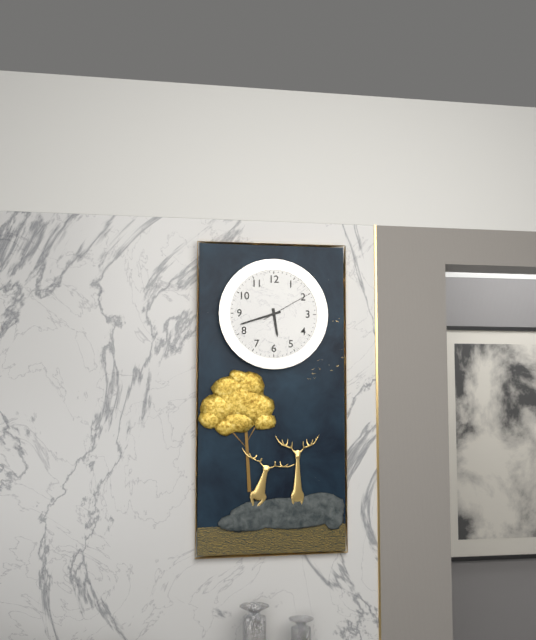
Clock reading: 5h42
